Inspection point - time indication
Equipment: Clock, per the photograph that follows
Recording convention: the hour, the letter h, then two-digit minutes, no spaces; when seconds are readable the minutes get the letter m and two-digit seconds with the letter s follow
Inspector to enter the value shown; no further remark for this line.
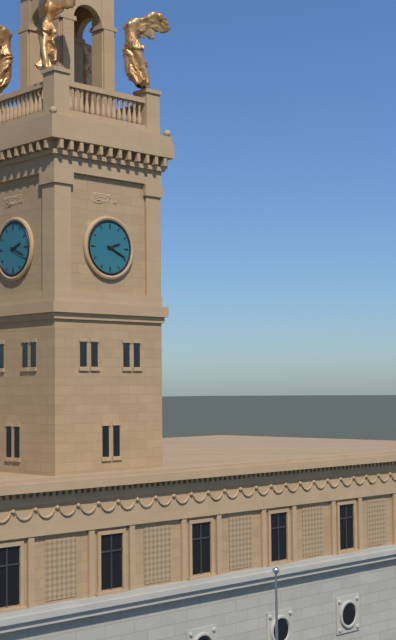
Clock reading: 2h19
